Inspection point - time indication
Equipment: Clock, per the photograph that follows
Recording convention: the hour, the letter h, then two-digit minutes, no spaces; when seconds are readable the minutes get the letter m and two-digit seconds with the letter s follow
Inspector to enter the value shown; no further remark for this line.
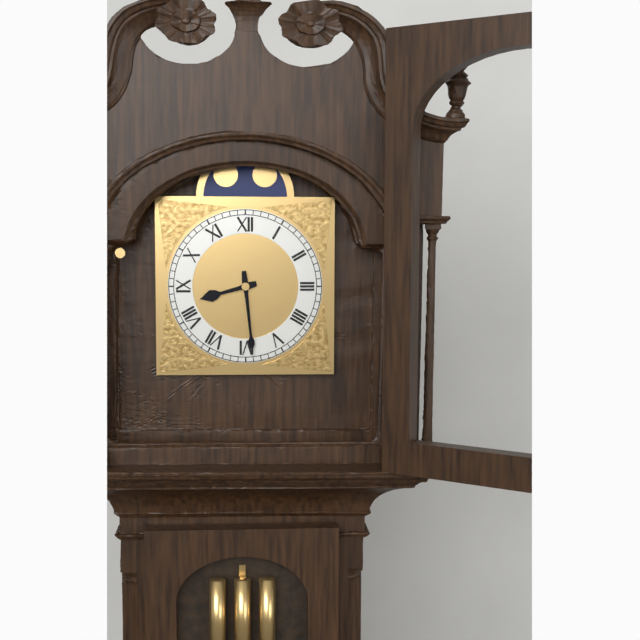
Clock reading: 8h29
